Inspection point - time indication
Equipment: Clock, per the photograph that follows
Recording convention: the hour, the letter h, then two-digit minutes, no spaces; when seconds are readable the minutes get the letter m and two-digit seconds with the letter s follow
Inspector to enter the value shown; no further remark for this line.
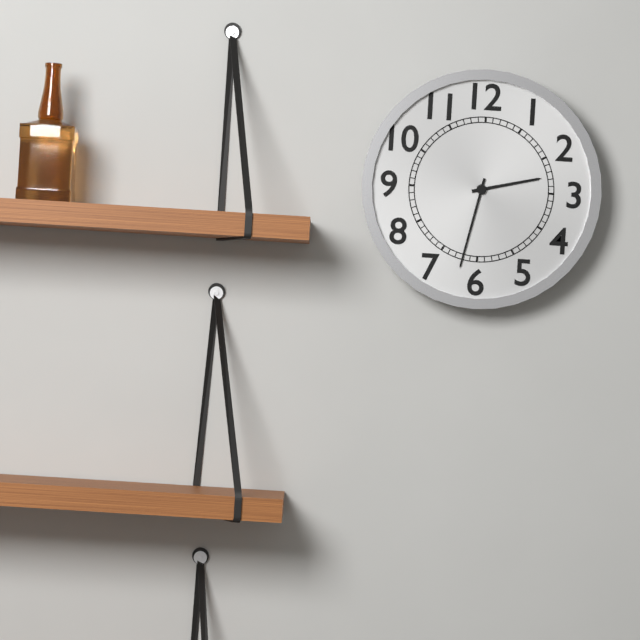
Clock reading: 2h32
